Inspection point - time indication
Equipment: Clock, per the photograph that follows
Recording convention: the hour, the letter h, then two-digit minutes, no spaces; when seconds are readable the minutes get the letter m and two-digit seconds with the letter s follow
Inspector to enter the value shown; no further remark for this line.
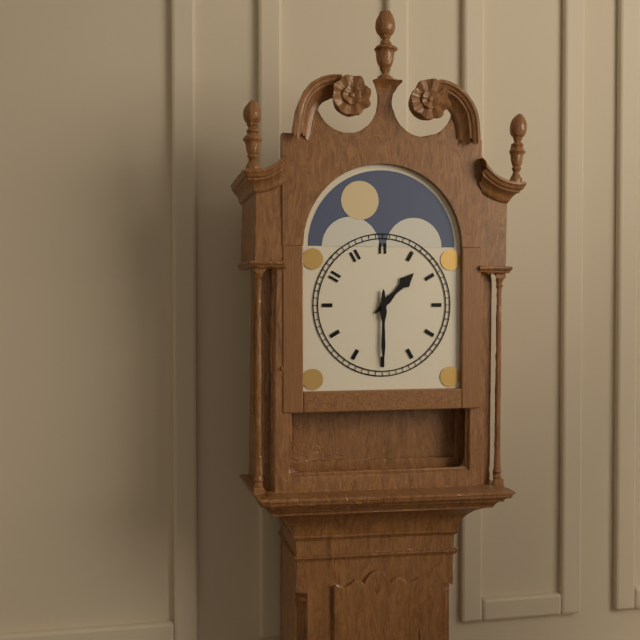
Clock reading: 1h30
